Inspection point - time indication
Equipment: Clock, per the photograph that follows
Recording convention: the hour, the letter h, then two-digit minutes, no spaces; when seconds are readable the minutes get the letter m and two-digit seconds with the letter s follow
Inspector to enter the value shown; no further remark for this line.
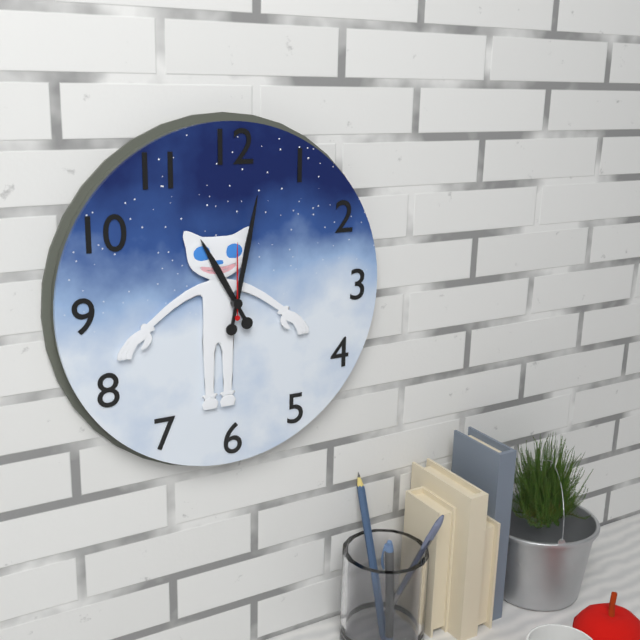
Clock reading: 11h02m00s
